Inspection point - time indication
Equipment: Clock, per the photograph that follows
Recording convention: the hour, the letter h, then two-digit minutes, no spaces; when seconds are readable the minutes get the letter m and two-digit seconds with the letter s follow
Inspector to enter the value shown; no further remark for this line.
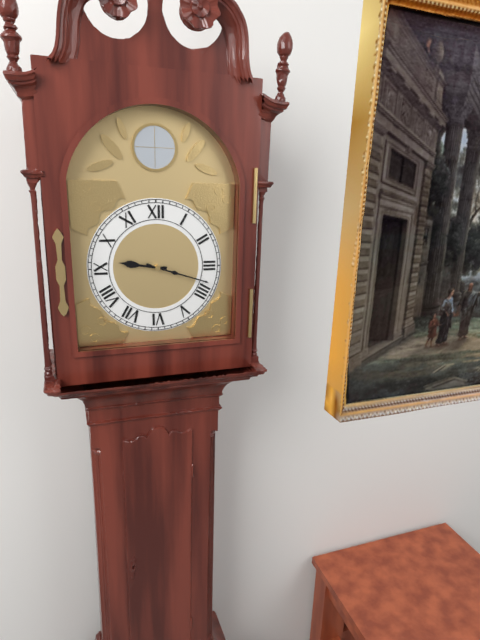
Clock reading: 9h18
